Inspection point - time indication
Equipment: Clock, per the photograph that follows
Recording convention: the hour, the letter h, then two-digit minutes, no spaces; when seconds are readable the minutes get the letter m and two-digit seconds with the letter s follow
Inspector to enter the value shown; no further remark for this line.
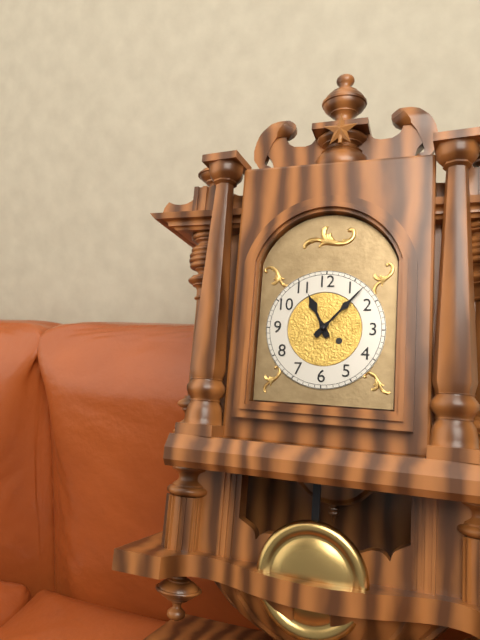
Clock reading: 11h07
